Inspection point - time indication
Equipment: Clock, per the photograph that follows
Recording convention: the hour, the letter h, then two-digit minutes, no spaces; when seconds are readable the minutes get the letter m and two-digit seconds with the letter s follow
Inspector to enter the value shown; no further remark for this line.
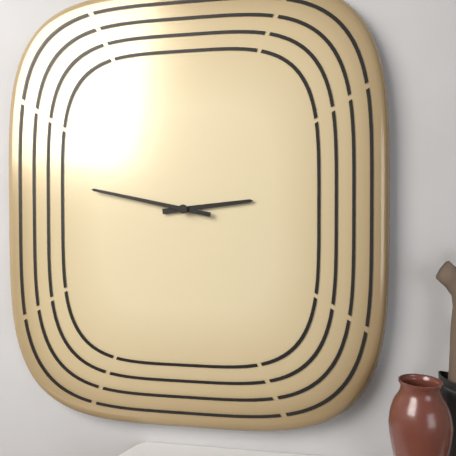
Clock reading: 2h47
